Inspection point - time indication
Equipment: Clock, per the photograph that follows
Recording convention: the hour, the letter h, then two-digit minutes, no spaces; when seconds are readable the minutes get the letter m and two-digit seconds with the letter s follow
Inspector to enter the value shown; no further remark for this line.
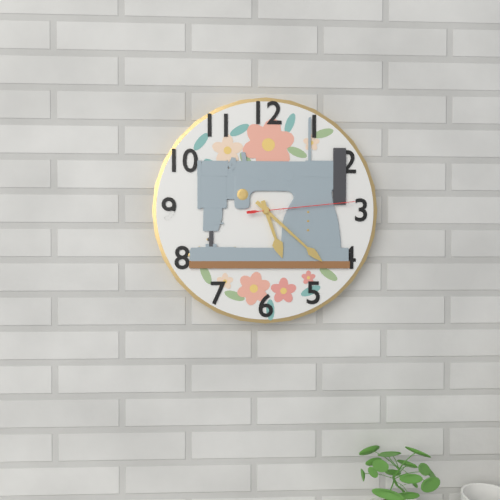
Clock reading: 5h22m14s
